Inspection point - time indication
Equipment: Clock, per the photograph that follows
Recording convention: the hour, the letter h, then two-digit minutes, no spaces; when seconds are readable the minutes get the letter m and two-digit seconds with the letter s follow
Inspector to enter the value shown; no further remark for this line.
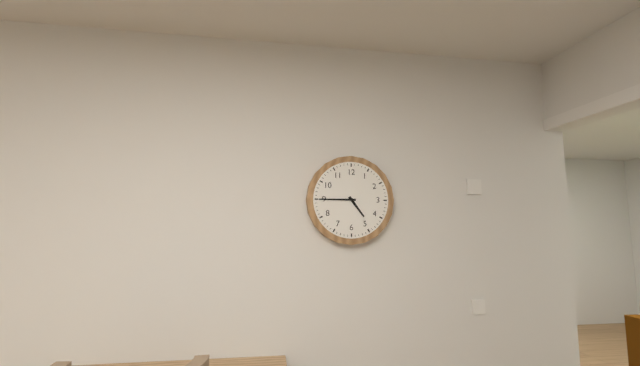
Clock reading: 4h45
